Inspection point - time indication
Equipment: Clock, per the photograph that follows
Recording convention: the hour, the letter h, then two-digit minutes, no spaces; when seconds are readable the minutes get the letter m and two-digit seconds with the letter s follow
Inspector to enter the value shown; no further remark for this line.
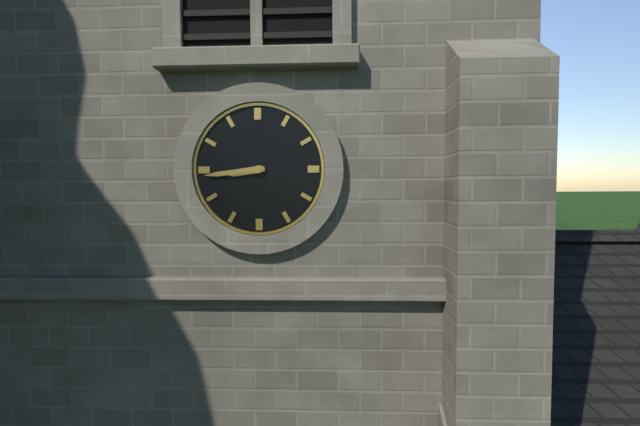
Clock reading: 8h44
